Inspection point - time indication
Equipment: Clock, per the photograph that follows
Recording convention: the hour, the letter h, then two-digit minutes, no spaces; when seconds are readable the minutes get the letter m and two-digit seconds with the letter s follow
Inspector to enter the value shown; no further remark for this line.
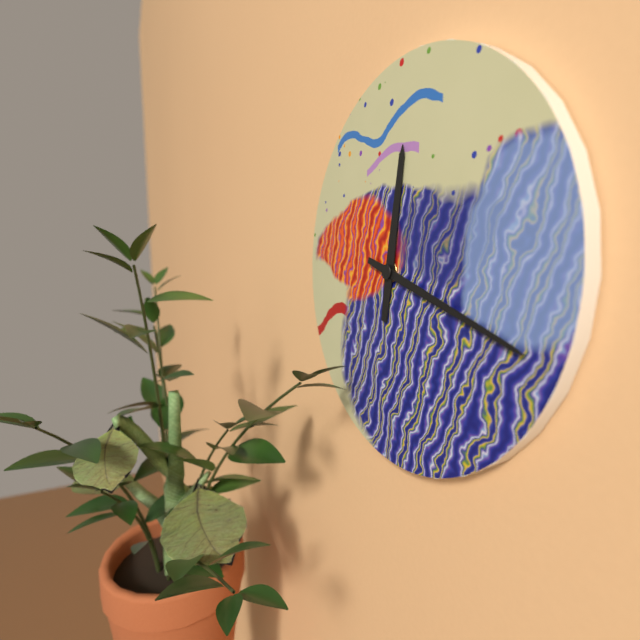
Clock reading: 12h18
